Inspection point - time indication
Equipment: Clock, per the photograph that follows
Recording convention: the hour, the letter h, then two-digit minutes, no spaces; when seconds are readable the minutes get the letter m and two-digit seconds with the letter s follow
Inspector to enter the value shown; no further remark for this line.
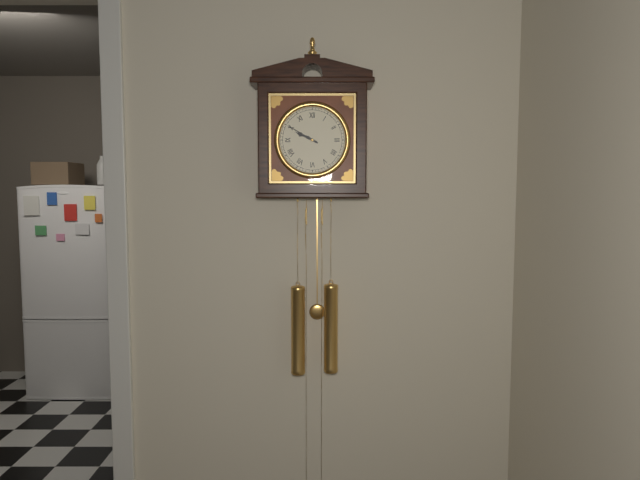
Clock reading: 9h50
